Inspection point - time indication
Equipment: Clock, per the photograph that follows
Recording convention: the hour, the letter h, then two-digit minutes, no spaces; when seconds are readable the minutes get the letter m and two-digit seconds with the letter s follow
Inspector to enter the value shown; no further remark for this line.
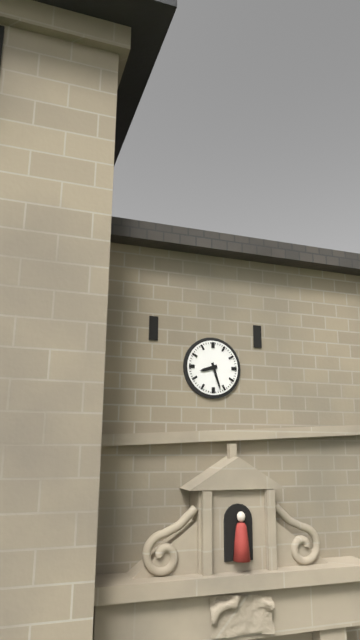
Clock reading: 8h27
